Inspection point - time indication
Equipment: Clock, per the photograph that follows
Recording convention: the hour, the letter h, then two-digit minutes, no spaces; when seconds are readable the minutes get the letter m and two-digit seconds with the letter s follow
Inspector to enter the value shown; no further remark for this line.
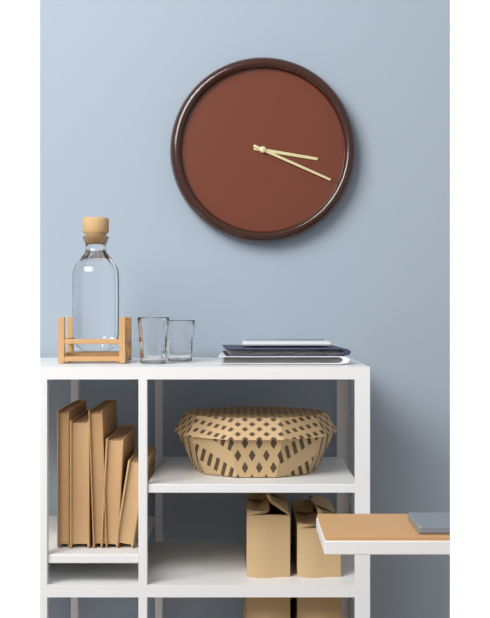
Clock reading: 3h19
